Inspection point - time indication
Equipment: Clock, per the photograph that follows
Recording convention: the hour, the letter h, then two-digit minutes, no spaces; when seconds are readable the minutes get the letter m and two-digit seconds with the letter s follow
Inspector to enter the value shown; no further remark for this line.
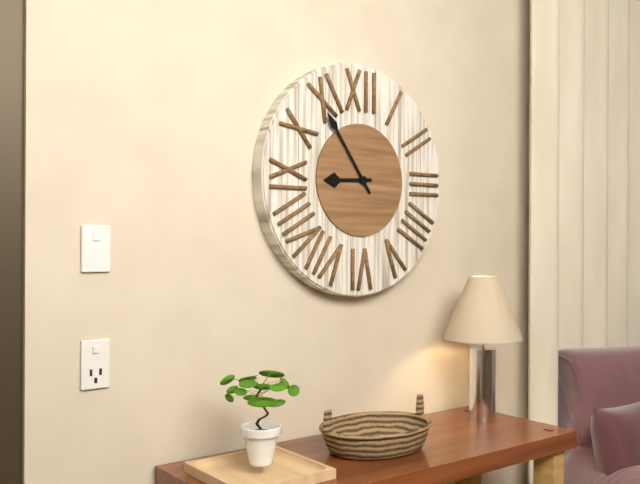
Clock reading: 8h54
